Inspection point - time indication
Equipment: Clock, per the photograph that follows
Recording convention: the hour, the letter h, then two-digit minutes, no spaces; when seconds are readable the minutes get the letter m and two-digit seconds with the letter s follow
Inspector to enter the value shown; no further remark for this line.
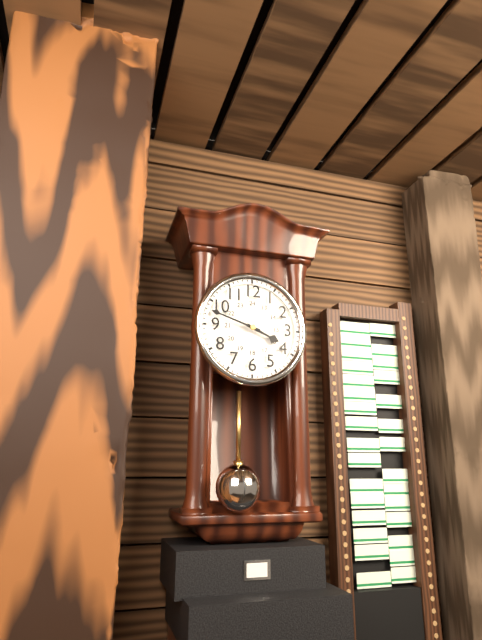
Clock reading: 3h48
